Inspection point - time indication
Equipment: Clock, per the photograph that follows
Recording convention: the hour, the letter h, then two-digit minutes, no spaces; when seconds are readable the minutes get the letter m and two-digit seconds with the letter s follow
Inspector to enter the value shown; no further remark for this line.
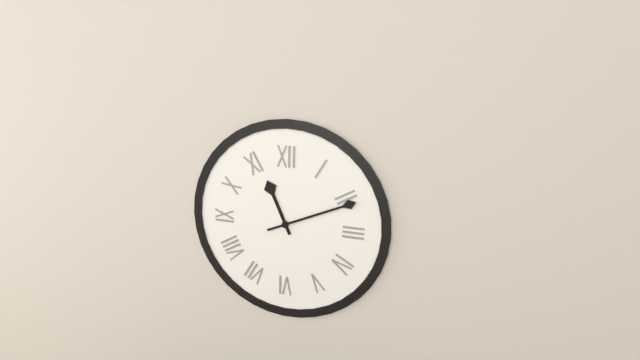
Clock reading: 11h11
